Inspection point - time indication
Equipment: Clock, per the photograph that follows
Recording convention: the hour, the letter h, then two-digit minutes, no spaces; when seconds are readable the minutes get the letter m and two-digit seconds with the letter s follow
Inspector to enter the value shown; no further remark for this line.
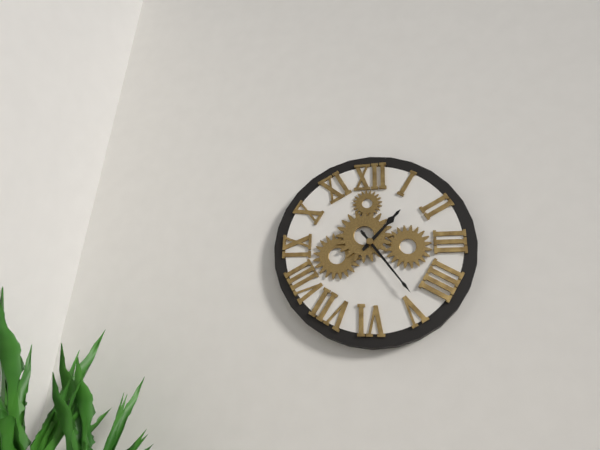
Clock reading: 1h24
